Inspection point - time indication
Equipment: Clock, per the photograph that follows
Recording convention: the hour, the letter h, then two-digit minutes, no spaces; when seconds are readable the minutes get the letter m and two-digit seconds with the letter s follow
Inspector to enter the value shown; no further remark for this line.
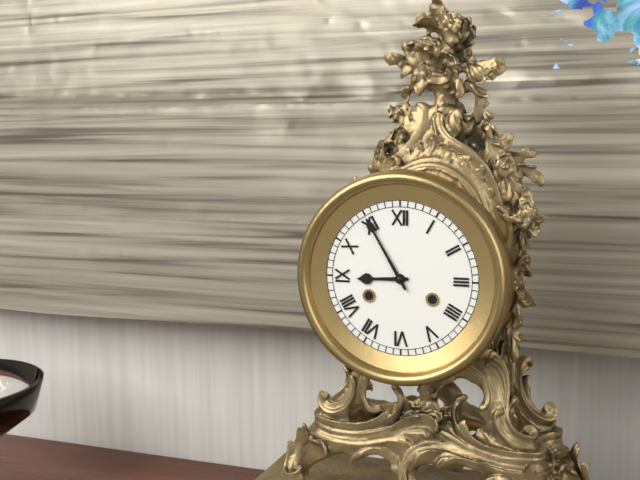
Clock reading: 8h55
